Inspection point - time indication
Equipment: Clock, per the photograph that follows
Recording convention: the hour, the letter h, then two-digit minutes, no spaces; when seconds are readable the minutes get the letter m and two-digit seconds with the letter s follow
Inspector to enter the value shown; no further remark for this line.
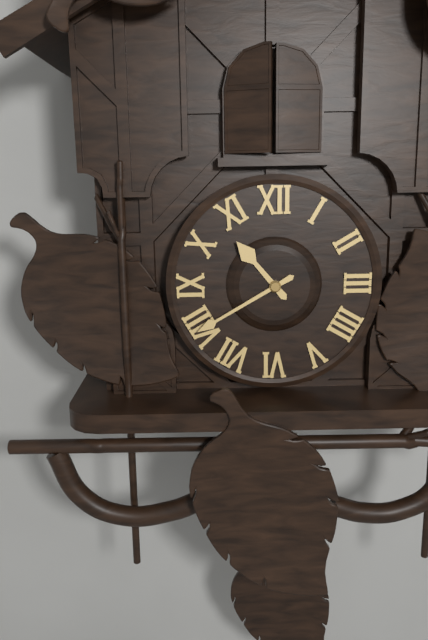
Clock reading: 10h40
